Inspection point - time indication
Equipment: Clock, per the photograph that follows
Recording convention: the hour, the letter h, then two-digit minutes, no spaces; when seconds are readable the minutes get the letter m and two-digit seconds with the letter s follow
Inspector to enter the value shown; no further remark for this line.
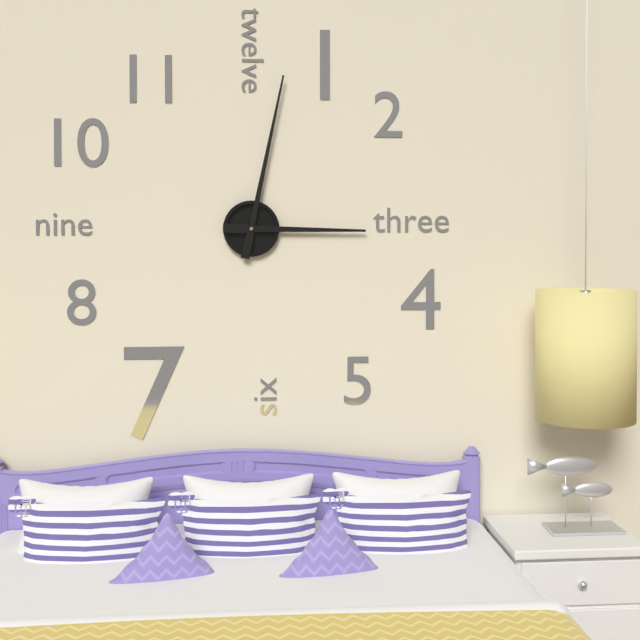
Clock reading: 3h02
